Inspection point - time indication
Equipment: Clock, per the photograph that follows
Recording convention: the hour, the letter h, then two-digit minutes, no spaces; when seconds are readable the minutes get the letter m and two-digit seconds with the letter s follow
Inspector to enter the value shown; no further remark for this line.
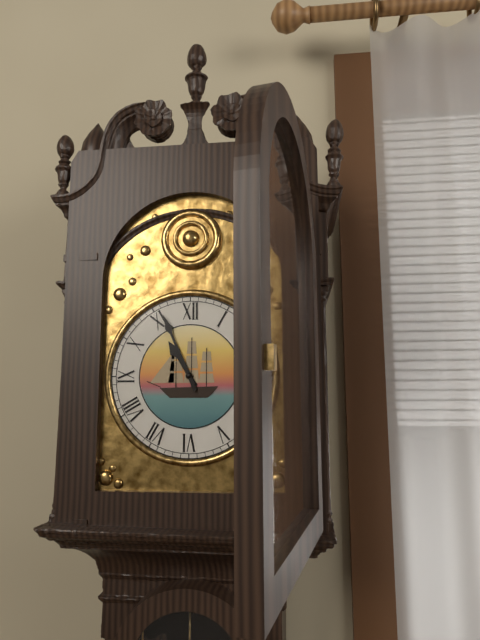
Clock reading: 10h56
